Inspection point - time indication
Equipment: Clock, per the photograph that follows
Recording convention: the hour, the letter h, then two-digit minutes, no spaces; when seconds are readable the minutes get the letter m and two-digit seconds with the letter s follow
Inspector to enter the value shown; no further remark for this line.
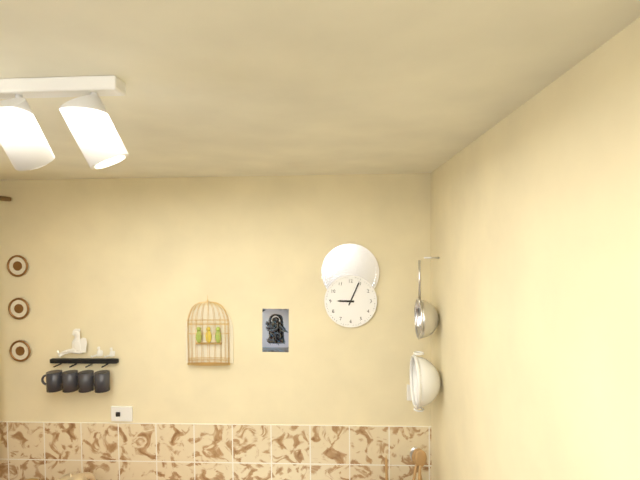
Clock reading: 9h04
